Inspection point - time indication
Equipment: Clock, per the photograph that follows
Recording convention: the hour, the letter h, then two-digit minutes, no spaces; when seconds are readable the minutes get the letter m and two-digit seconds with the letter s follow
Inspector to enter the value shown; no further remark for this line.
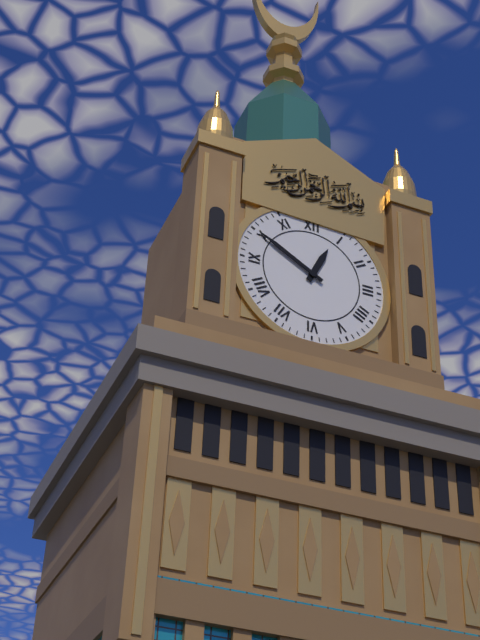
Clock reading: 12h50
